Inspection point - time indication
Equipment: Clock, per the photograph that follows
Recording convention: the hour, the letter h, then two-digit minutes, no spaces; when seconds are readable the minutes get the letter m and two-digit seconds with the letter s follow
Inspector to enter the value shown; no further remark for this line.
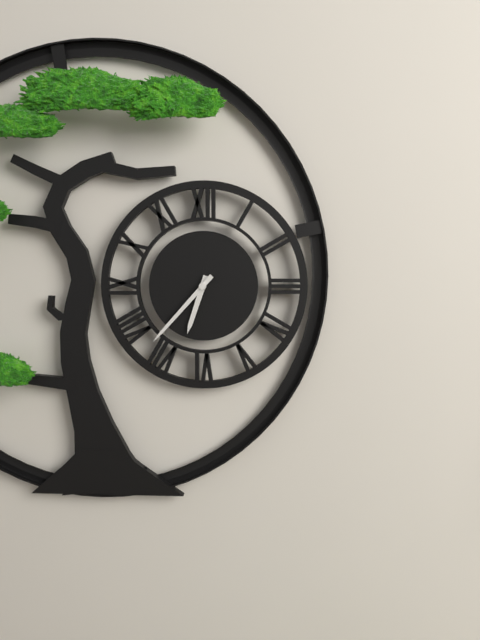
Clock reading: 6h37
